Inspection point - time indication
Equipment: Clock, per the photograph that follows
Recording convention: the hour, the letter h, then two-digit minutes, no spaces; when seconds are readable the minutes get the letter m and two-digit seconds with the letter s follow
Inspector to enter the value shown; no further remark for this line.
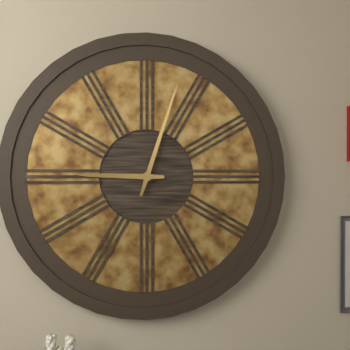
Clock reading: 9h03
